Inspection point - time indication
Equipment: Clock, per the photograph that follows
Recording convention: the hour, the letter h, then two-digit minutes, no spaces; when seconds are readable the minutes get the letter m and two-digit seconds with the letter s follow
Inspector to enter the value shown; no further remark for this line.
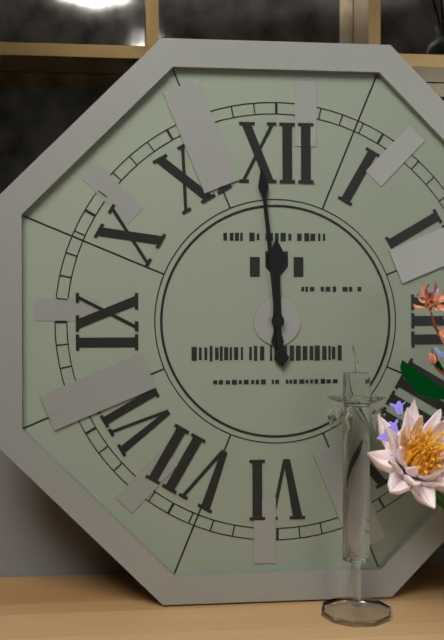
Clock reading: 11h59
